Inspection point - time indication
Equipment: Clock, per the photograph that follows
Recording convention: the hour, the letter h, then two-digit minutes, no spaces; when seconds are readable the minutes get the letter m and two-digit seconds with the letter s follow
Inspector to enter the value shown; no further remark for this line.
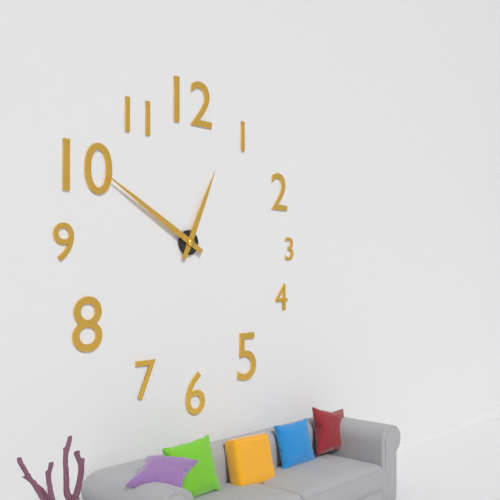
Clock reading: 12h50
